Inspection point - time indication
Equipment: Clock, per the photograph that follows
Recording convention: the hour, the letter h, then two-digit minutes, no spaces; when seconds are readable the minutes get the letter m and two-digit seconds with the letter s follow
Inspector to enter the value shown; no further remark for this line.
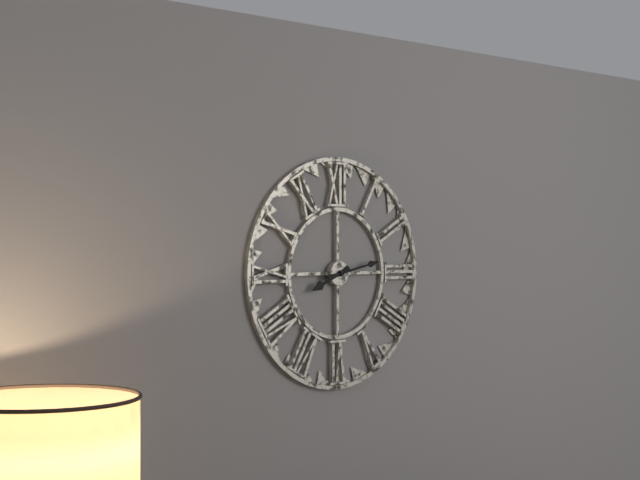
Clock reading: 8h13
